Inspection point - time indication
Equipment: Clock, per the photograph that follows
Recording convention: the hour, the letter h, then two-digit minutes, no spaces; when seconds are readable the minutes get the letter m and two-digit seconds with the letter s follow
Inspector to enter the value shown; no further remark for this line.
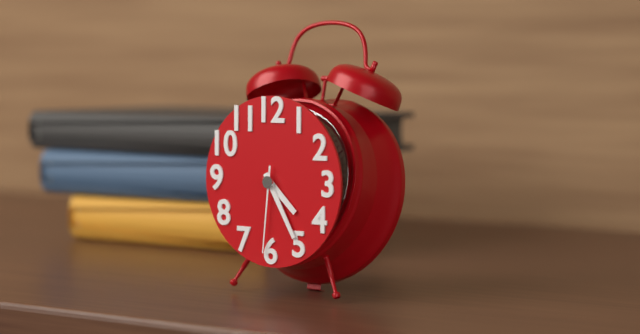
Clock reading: 4h25m31s
